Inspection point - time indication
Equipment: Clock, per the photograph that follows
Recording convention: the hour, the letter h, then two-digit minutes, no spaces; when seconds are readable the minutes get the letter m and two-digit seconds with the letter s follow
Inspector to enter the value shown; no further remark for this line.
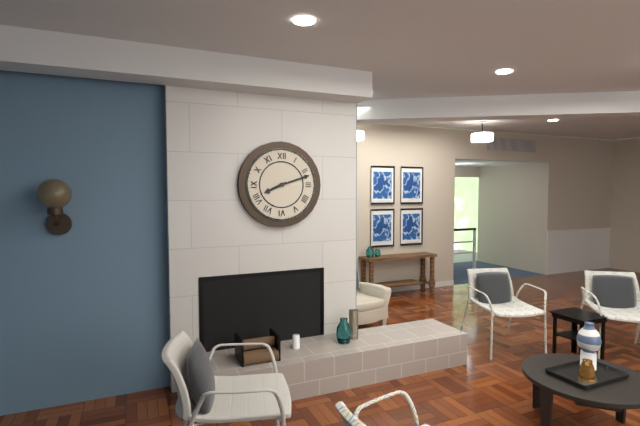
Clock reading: 8h12
